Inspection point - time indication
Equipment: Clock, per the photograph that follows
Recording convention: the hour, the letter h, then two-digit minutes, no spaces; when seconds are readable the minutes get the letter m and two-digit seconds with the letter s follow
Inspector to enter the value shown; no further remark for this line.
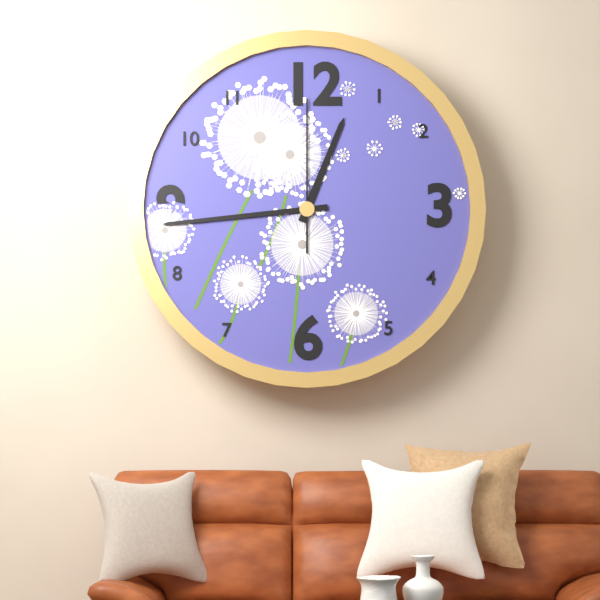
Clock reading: 12h44m00s
